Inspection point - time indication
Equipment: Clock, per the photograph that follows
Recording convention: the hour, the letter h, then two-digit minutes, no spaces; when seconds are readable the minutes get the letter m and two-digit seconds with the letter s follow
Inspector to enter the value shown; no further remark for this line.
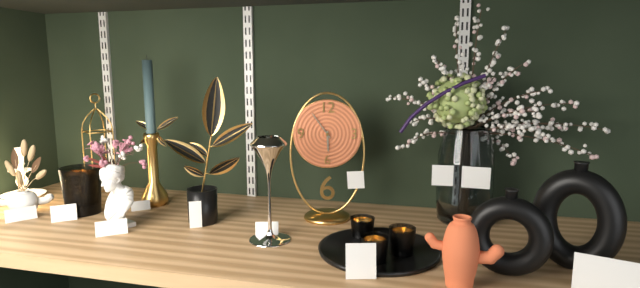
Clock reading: 5h54
